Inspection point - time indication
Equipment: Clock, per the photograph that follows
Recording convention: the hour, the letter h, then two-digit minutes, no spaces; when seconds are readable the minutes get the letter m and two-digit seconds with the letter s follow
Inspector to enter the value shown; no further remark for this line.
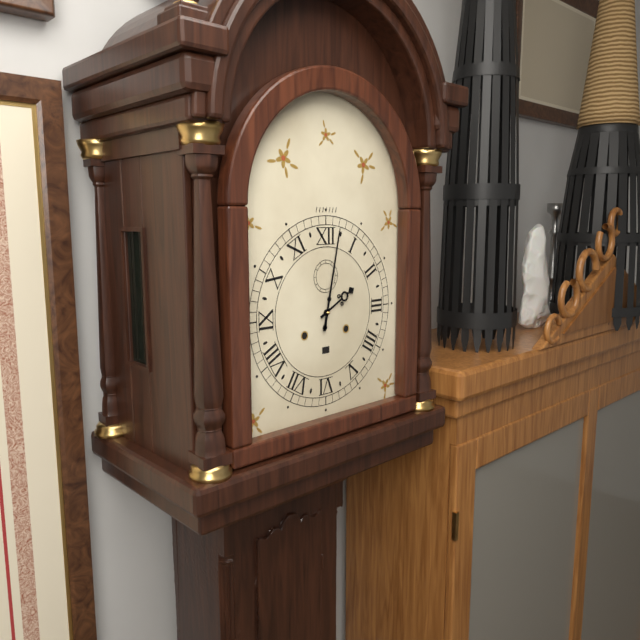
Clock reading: 2h02
